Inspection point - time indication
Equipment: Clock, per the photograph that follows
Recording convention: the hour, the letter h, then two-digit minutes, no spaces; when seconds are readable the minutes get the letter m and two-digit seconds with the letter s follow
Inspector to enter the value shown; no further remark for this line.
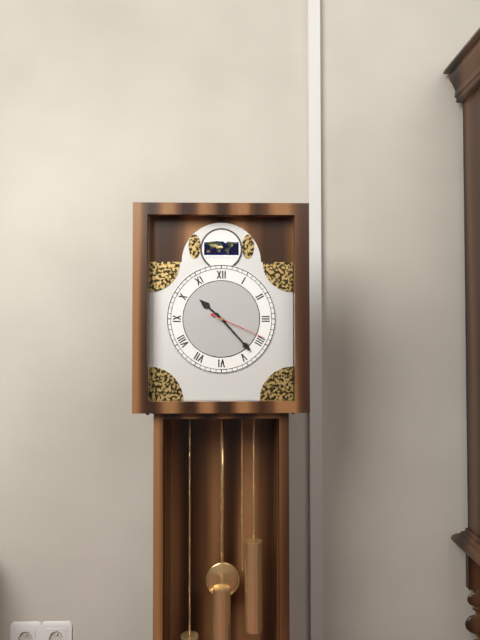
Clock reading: 10h23m19s
